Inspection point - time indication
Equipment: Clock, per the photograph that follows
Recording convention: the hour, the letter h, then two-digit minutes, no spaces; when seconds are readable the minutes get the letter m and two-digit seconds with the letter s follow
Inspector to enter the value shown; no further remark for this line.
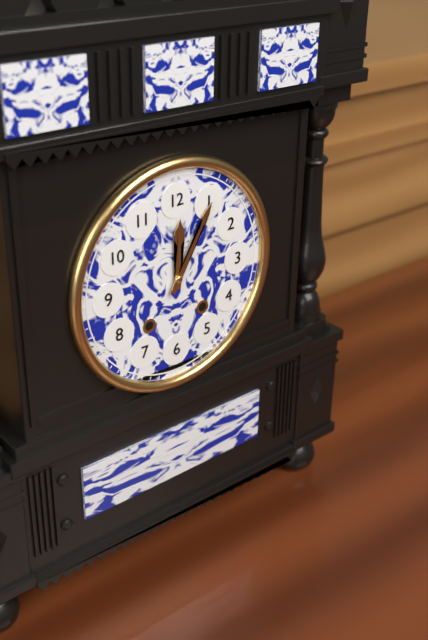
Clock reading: 12h05
